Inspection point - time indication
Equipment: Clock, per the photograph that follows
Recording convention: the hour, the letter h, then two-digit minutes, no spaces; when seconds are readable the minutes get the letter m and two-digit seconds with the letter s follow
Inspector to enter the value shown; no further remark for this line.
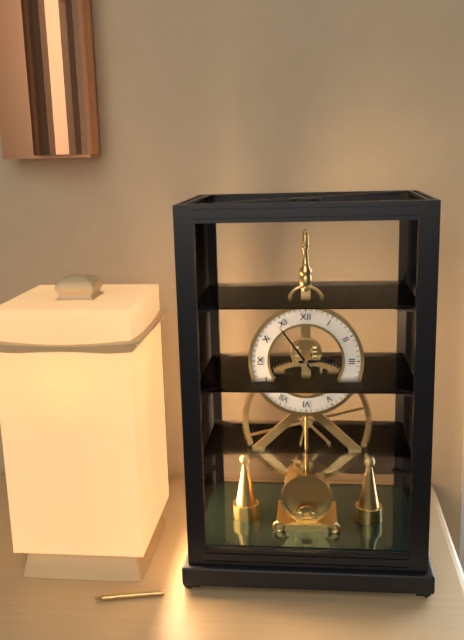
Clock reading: 2h54
